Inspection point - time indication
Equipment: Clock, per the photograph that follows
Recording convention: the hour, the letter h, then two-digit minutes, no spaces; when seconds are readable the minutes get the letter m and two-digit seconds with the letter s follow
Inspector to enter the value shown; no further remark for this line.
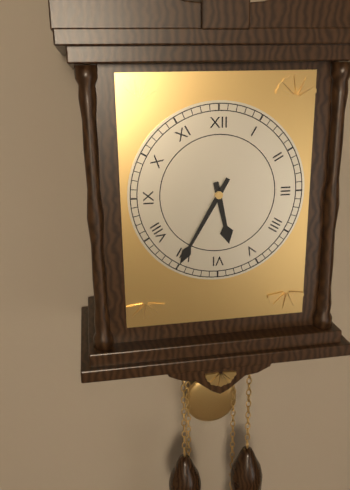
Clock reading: 5h35
